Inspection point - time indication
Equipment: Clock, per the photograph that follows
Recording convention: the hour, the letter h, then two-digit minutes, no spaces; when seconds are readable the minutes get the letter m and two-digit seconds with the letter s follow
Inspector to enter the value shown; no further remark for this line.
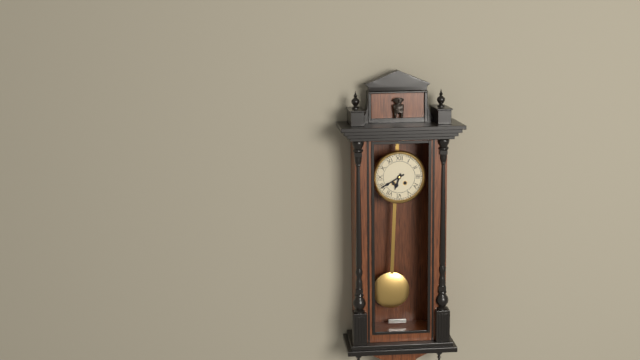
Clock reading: 6h40
